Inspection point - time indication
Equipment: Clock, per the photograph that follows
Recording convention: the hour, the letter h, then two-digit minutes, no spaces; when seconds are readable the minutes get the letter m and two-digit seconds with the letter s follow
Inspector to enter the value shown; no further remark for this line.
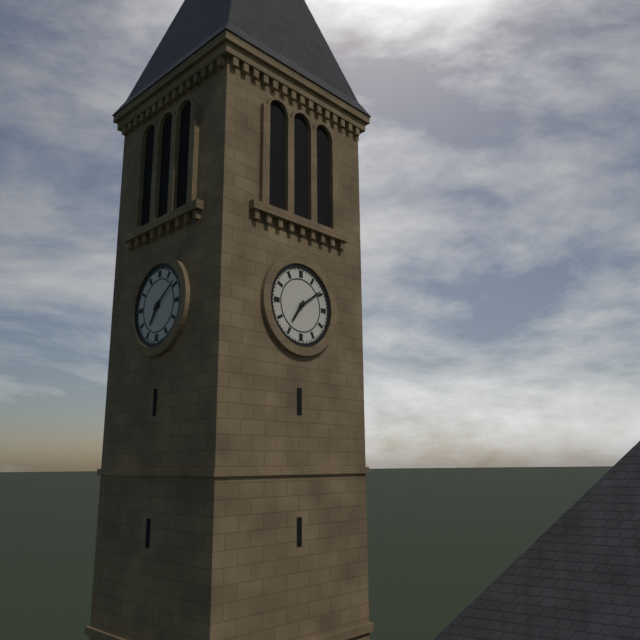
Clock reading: 7h09
